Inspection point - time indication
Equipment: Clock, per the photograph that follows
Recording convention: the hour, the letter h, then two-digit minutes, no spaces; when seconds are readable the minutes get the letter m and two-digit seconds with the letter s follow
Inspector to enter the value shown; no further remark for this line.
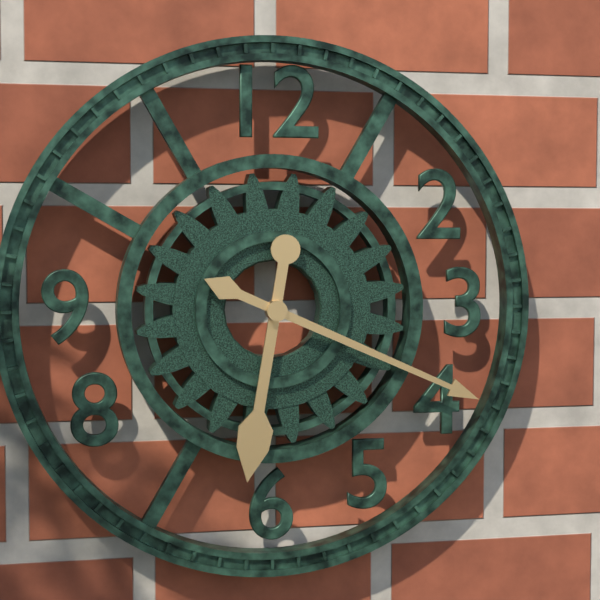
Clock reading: 6h19
